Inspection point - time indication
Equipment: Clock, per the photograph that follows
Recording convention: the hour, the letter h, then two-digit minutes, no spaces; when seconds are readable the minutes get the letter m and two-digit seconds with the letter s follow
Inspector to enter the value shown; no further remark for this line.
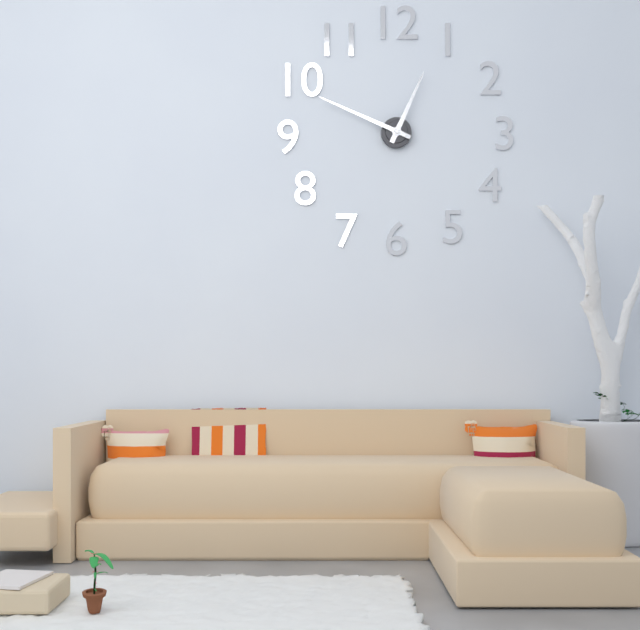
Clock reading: 12h49
